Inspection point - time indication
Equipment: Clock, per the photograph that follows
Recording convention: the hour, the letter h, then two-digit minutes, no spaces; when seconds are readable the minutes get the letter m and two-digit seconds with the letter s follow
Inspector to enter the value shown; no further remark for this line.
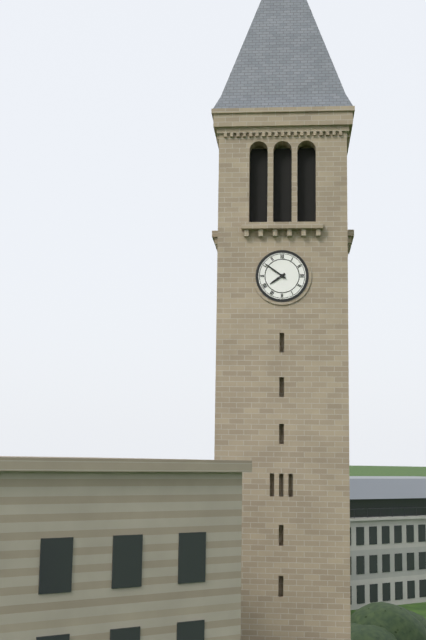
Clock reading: 7h51
